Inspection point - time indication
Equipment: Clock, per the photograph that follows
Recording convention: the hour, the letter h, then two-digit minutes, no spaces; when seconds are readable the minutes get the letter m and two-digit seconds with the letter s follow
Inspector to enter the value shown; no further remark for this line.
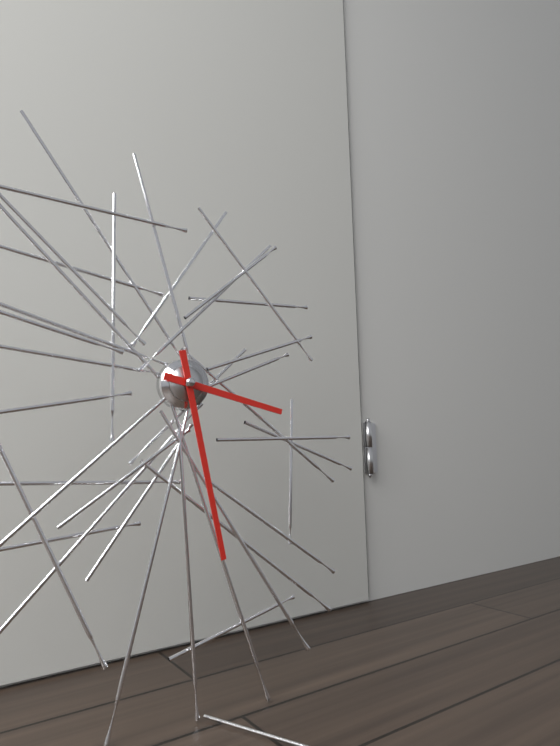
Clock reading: 3h28
